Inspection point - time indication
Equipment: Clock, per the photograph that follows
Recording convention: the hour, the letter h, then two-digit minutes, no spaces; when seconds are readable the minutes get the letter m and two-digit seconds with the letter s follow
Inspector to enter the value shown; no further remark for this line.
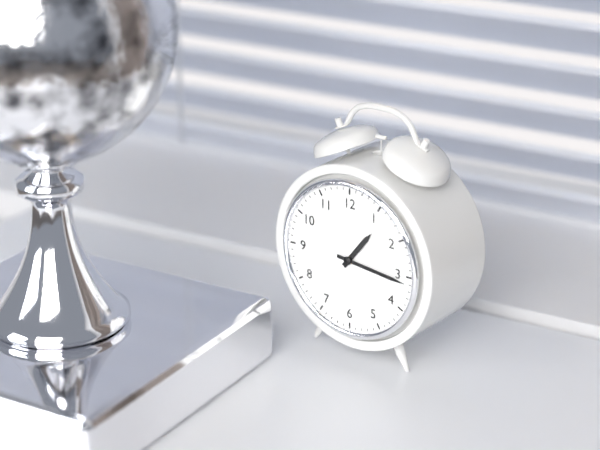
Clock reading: 1h16
